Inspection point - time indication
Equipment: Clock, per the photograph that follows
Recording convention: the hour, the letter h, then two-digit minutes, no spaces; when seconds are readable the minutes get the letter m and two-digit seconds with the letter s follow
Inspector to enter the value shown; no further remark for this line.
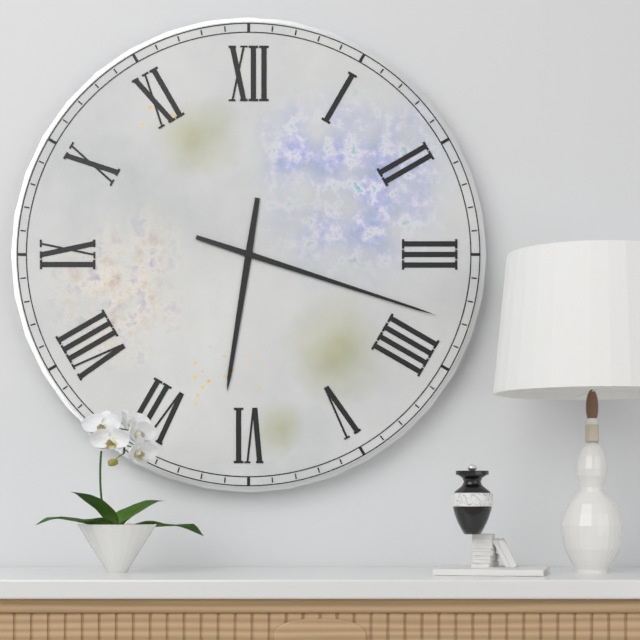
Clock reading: 6h18
